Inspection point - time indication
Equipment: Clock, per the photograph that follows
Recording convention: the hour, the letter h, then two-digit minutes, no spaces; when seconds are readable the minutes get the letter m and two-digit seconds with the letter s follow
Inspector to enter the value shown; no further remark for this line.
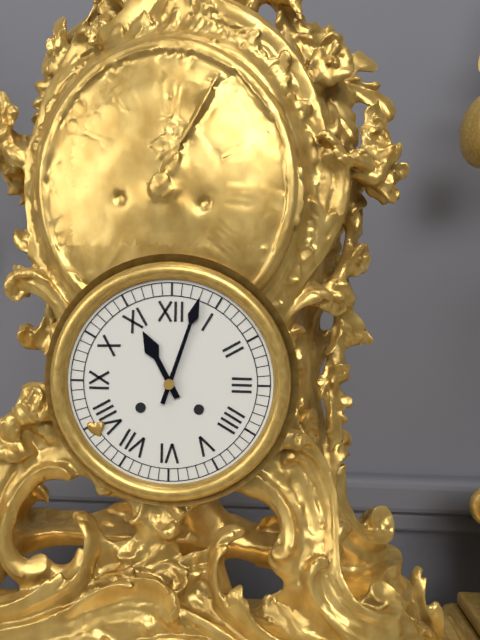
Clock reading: 11h03
